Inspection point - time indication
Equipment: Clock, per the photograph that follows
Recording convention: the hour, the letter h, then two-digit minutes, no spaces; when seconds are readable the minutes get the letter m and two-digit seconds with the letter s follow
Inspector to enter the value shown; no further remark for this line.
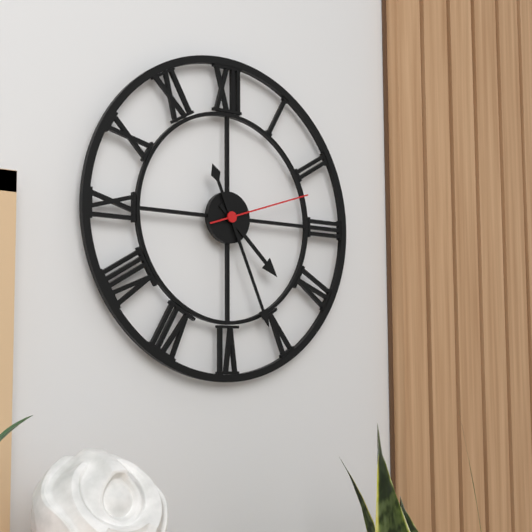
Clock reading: 4h26m12s
